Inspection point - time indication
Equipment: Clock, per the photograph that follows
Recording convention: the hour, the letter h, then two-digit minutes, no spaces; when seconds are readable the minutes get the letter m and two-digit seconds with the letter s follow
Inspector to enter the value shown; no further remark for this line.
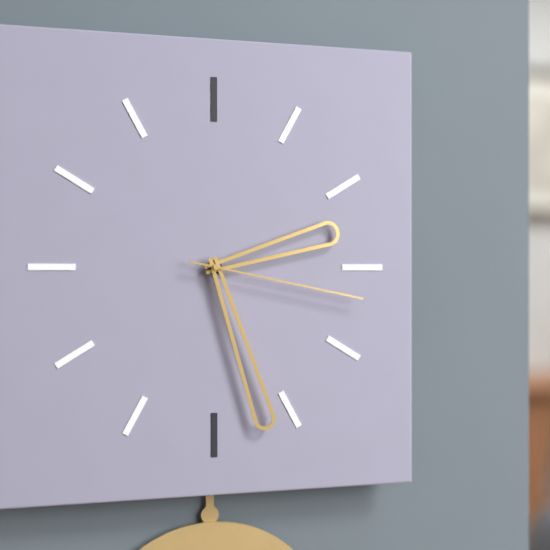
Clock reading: 2h27m17s
